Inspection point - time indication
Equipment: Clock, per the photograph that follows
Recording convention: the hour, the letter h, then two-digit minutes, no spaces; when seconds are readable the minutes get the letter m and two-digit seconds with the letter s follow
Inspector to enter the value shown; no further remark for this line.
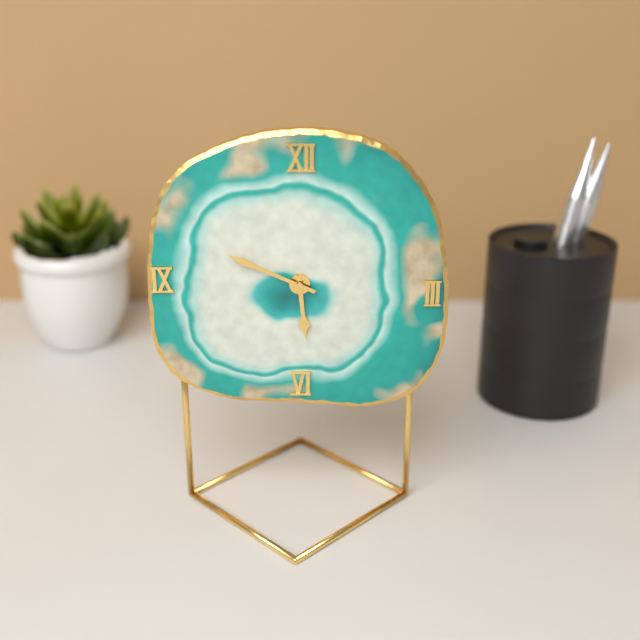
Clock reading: 5h49
